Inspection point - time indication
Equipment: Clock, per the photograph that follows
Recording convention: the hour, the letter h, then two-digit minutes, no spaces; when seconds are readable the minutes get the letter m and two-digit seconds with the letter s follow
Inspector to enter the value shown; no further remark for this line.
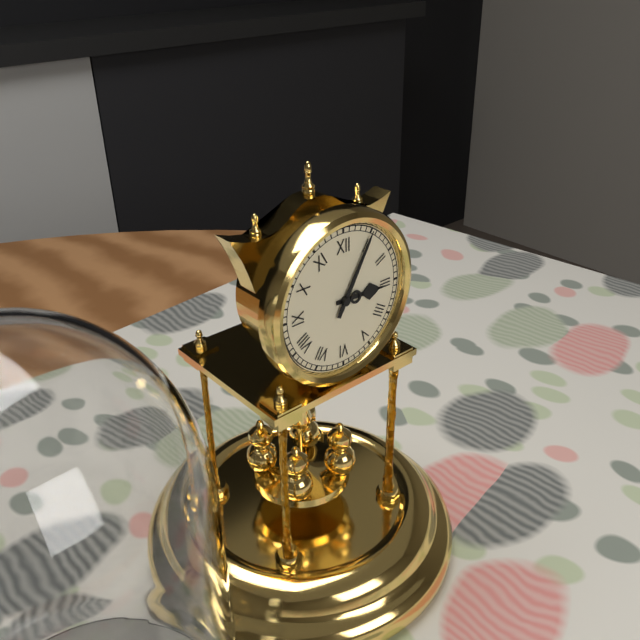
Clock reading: 3h05
